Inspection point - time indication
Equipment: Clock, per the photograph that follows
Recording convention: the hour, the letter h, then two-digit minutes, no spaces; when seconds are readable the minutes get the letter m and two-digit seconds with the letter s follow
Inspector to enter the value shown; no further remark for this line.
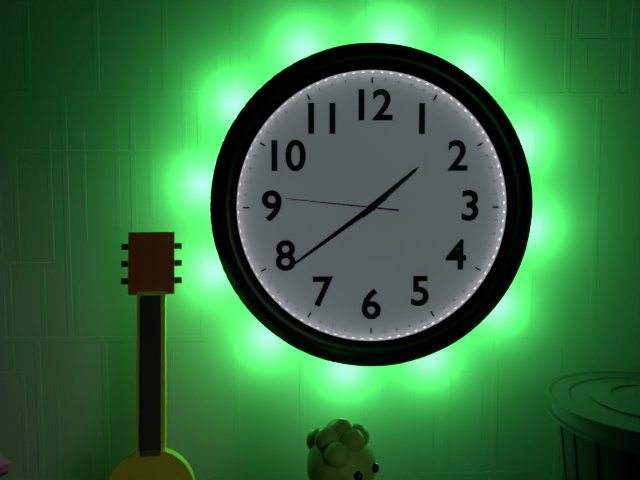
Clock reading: 1h39m46s
